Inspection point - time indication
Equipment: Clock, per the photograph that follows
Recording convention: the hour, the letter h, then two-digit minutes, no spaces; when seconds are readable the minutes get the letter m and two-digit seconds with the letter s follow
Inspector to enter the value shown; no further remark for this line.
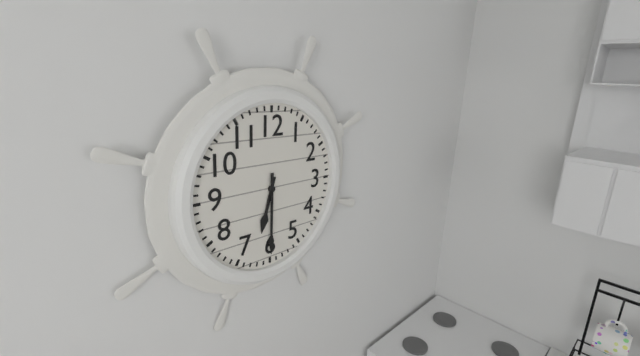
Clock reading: 6h30
